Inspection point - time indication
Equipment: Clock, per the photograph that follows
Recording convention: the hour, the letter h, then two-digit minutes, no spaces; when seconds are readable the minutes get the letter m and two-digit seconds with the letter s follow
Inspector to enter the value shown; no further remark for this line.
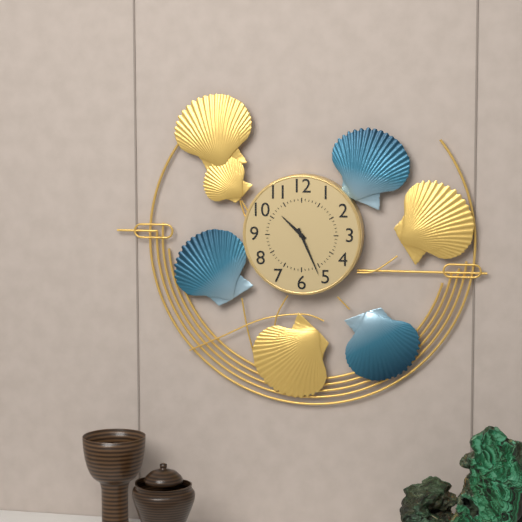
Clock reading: 10h26
